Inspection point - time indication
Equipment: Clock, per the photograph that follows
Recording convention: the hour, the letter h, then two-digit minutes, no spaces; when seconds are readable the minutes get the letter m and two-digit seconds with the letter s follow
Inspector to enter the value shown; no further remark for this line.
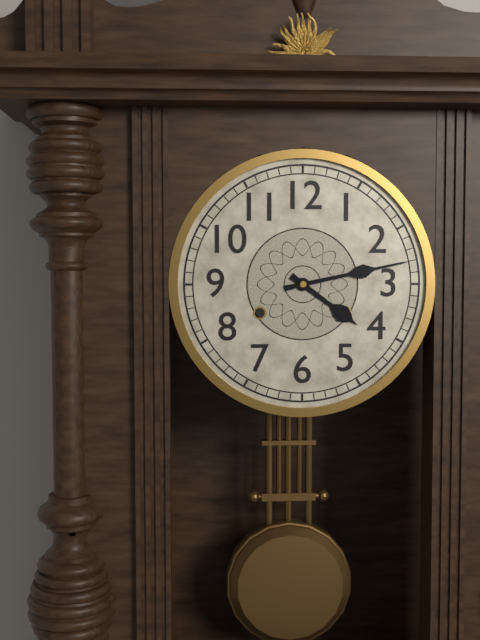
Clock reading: 4h13
